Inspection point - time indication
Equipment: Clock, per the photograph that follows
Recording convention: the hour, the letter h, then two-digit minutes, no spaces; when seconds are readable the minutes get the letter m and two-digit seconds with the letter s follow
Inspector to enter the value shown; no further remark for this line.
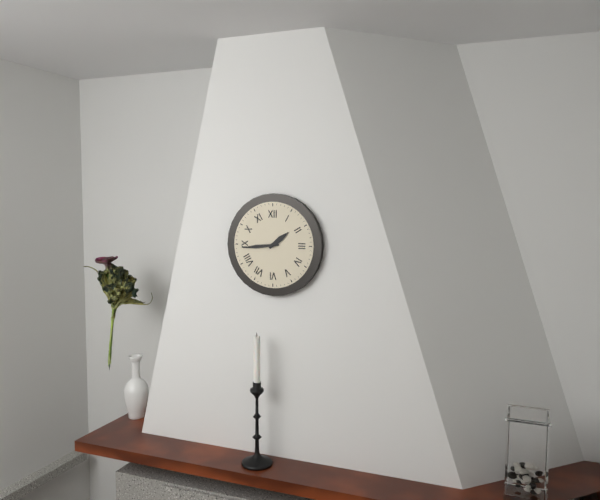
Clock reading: 1h44
